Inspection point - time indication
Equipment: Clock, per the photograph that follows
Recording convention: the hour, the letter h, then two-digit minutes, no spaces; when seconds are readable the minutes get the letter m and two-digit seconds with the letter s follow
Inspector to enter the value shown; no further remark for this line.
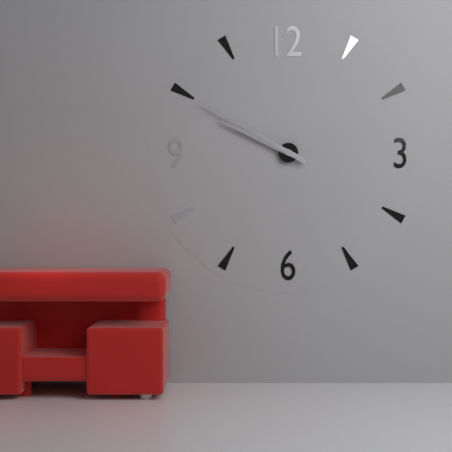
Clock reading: 9h50
